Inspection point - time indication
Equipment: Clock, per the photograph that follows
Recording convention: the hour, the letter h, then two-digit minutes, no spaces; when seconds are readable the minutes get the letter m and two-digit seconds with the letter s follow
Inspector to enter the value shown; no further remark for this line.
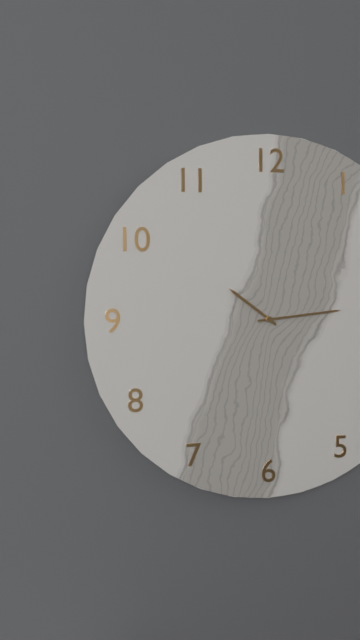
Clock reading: 10h14
